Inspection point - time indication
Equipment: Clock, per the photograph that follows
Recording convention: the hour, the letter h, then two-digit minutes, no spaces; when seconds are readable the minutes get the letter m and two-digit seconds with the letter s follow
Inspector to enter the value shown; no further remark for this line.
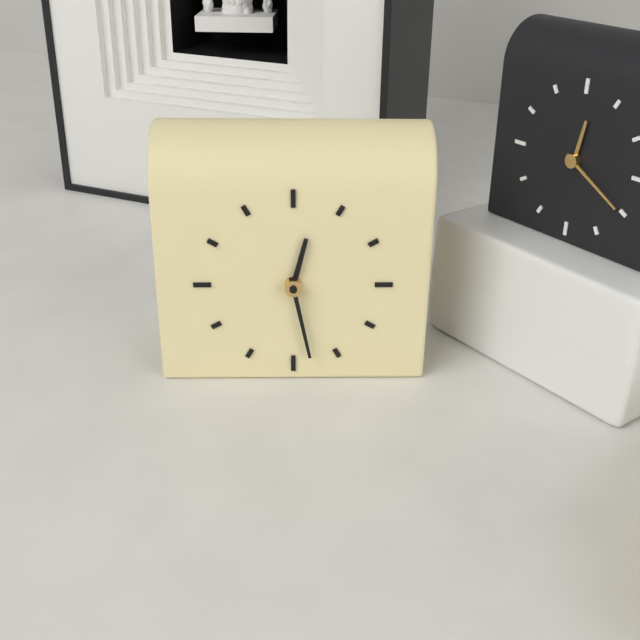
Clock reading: 12h28
